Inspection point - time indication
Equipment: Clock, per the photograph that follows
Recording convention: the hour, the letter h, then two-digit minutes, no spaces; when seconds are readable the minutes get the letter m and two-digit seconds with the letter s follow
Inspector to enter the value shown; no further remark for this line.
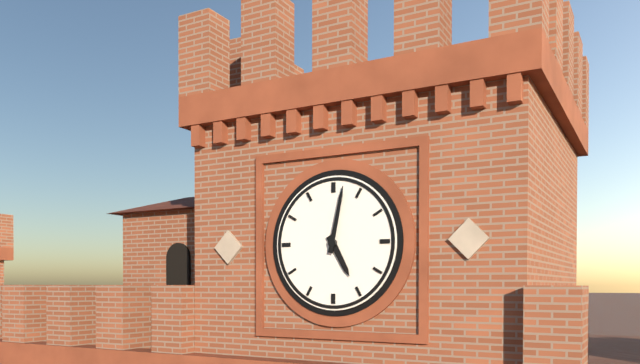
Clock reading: 5h02
